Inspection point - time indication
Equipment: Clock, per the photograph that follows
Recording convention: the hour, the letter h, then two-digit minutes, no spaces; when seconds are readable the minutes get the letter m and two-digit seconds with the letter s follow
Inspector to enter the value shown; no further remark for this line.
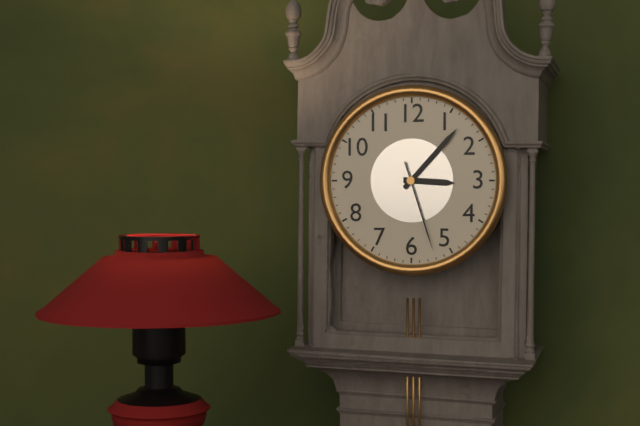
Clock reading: 3h07m27s
